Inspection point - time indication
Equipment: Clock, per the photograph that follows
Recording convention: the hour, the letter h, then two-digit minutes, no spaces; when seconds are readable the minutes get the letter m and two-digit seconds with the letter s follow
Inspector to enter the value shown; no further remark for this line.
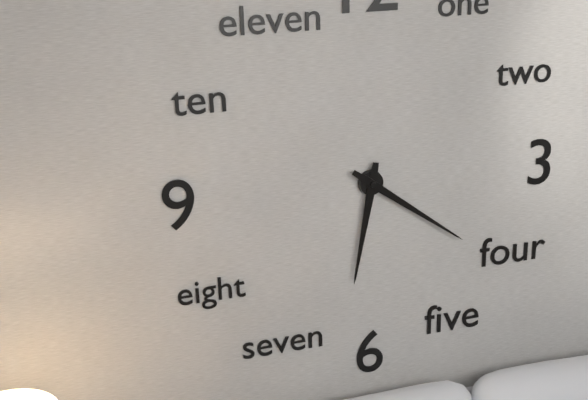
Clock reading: 6h21
